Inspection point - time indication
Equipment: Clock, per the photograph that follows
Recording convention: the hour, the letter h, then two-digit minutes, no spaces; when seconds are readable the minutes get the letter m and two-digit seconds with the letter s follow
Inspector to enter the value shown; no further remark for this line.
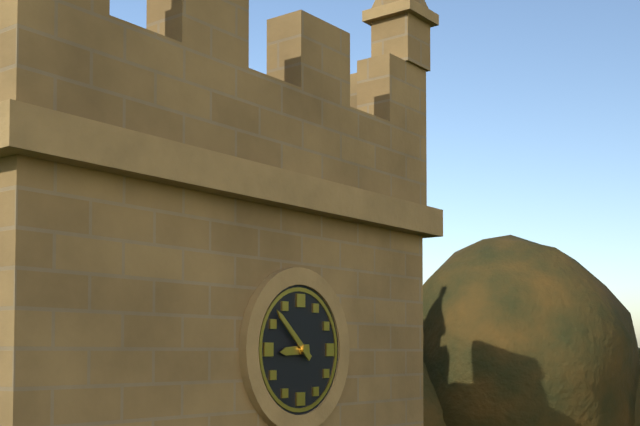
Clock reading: 8h52
